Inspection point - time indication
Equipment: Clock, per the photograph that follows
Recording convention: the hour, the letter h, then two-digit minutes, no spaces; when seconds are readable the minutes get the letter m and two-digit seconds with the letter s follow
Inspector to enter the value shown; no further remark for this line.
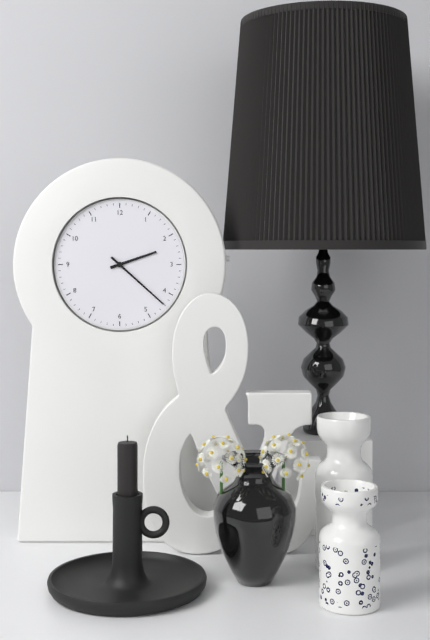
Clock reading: 2h22
